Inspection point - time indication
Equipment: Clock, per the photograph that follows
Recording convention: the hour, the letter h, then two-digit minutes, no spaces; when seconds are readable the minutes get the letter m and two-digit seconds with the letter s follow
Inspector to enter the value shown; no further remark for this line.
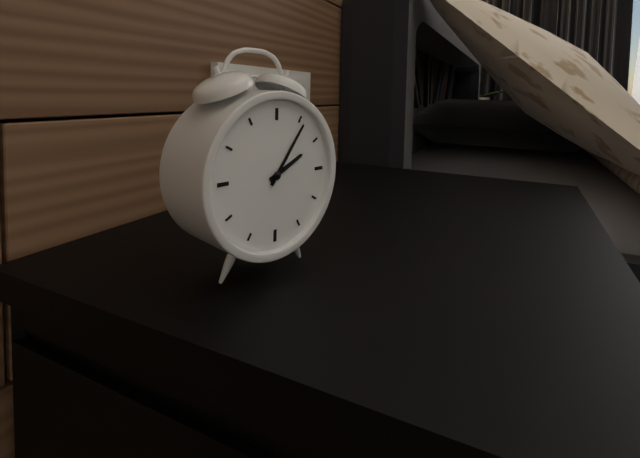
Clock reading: 2h06
